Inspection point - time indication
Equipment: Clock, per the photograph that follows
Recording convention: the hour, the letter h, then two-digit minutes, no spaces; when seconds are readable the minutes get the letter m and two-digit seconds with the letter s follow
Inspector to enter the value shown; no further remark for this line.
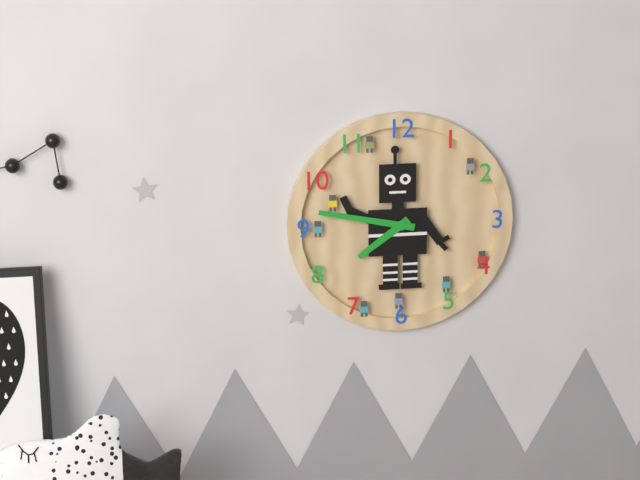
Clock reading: 7h47
